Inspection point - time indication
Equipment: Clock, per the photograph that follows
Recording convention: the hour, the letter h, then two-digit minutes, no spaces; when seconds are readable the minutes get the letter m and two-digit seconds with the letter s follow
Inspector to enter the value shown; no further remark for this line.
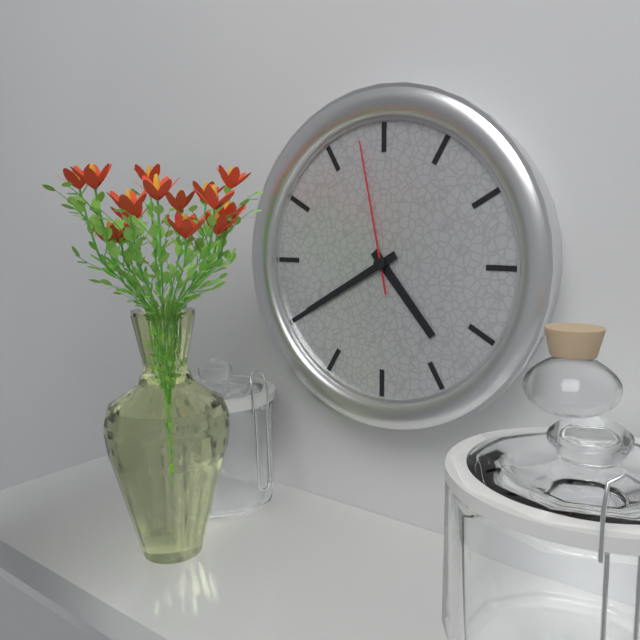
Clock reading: 4h40m58s
